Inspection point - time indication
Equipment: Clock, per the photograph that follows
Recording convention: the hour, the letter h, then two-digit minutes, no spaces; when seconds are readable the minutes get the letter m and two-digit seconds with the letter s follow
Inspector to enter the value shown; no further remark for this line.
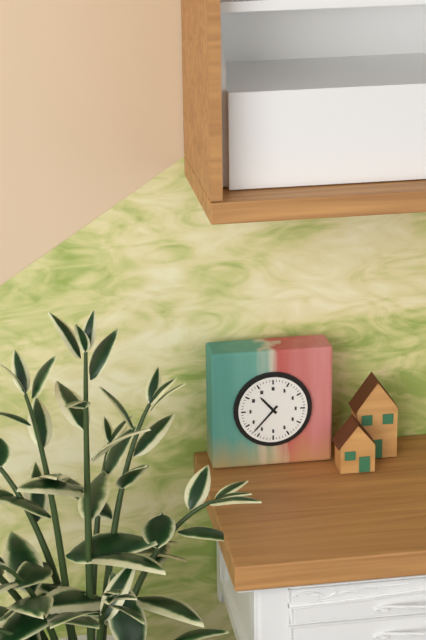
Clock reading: 10h37
